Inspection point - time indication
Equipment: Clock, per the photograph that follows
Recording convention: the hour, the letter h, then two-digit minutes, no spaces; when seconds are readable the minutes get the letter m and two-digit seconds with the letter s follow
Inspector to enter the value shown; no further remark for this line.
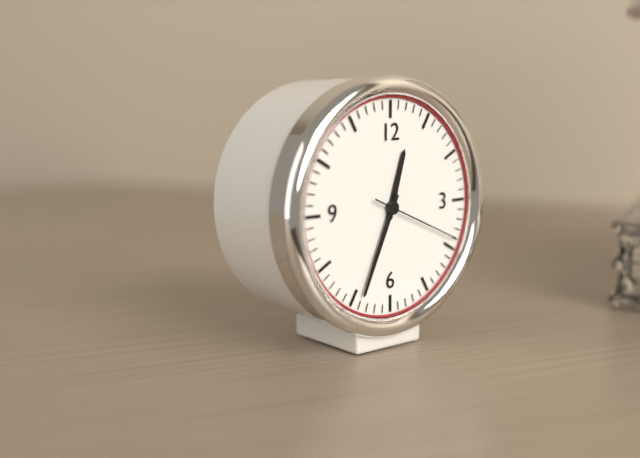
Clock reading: 12h34m19s
